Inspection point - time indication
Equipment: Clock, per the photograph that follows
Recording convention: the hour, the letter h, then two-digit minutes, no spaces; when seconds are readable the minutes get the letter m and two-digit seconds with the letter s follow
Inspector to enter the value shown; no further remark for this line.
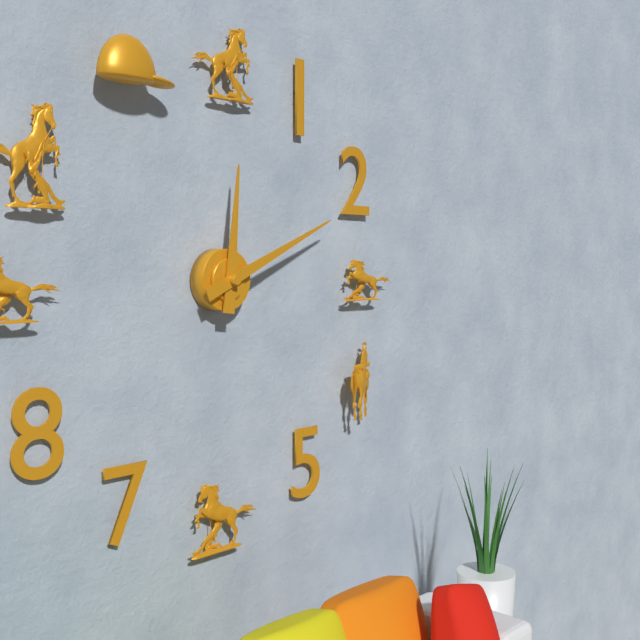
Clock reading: 12h11
